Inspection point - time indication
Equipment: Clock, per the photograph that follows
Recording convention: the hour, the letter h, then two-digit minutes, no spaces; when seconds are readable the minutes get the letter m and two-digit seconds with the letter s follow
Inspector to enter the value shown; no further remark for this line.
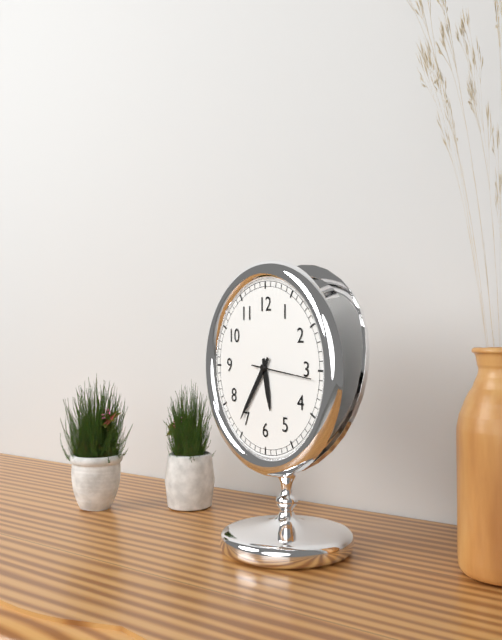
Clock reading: 5h36m16s
